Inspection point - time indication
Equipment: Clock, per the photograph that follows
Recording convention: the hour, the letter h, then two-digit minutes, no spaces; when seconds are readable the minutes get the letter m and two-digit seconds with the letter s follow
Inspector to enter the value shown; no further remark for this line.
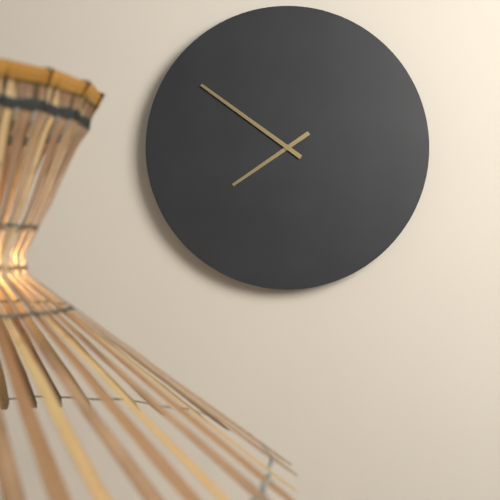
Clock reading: 7h51
